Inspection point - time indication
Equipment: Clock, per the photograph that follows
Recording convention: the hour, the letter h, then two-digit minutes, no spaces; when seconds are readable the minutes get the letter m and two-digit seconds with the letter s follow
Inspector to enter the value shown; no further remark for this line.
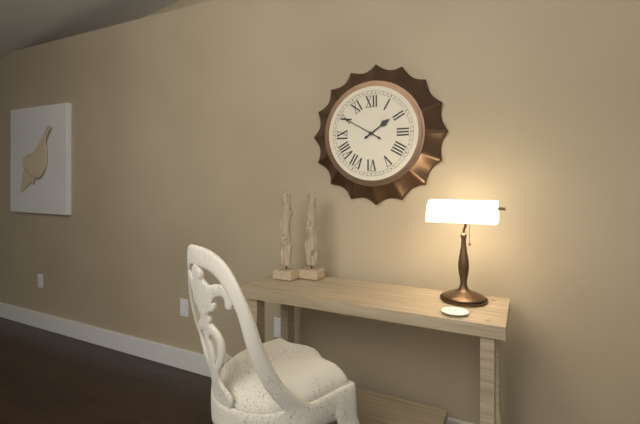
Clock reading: 1h50
